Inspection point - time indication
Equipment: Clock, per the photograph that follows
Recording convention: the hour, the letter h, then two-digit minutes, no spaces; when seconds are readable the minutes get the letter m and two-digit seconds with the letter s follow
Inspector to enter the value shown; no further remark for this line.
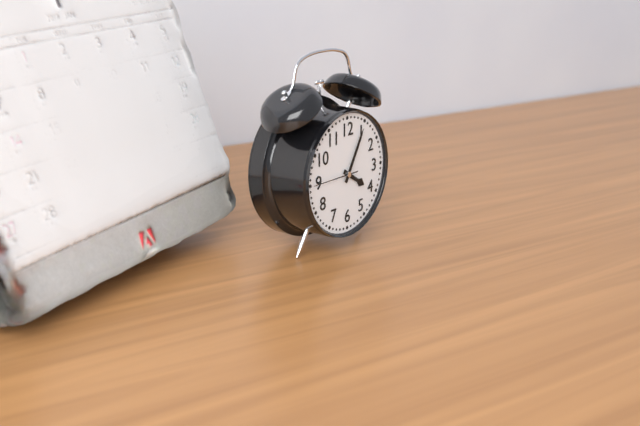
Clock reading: 4h05
